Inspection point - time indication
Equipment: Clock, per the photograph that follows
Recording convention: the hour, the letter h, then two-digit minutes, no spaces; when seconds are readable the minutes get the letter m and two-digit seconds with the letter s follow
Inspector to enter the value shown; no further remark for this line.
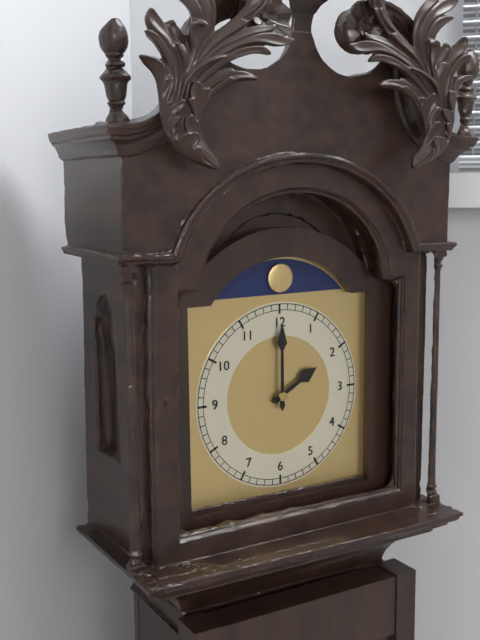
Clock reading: 2h00
